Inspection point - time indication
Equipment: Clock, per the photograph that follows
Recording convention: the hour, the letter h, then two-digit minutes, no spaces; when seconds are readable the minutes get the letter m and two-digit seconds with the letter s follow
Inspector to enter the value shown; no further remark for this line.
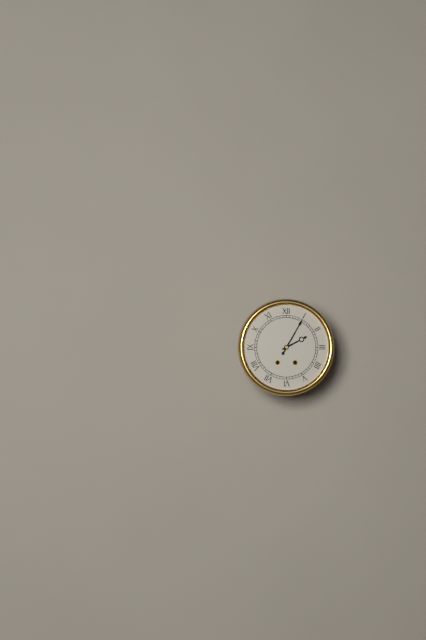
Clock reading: 2h05
